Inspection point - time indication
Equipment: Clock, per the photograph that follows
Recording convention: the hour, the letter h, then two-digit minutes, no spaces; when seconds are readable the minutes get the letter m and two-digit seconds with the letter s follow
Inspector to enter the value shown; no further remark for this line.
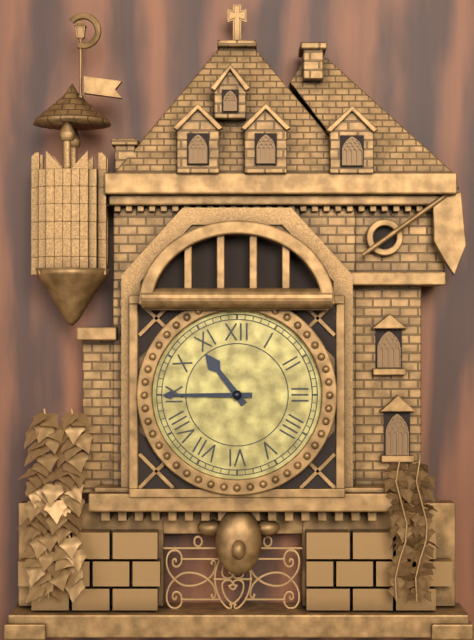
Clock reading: 10h45
